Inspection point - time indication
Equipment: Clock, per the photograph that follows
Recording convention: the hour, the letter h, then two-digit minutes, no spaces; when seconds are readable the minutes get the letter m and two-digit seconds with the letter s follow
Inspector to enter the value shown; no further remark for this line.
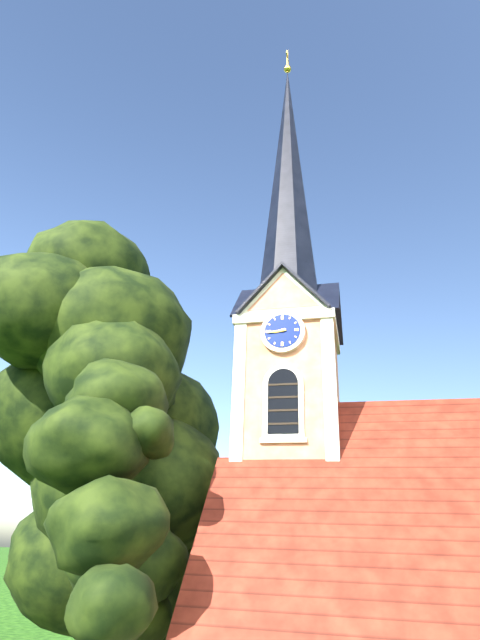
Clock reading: 8h44
